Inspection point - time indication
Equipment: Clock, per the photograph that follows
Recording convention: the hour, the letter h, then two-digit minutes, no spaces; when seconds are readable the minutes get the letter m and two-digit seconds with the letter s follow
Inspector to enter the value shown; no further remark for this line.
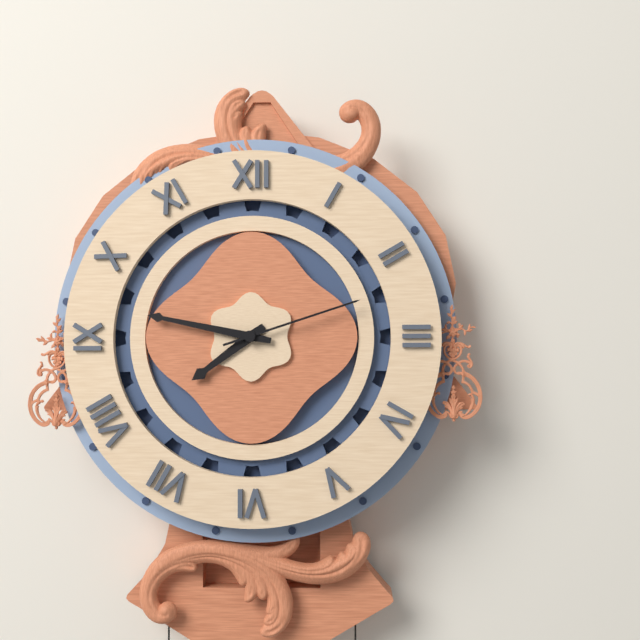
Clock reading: 7h47m12s
